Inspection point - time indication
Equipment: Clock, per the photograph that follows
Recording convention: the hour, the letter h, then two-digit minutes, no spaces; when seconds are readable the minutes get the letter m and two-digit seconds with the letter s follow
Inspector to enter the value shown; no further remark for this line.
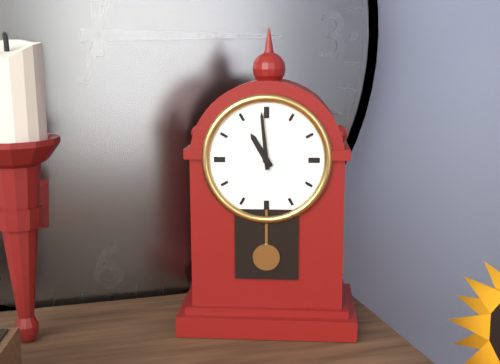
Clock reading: 10h59
